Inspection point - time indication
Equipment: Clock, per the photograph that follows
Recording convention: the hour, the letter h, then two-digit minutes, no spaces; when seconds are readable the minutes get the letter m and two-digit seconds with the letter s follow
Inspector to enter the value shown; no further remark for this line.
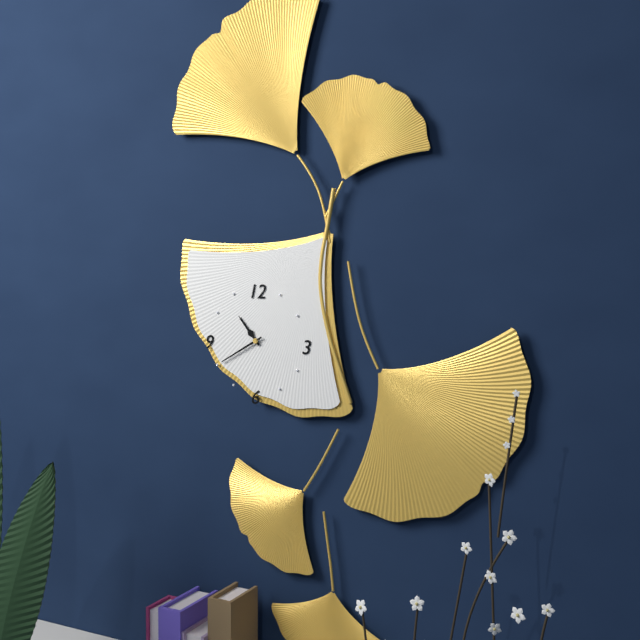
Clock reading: 10h40
